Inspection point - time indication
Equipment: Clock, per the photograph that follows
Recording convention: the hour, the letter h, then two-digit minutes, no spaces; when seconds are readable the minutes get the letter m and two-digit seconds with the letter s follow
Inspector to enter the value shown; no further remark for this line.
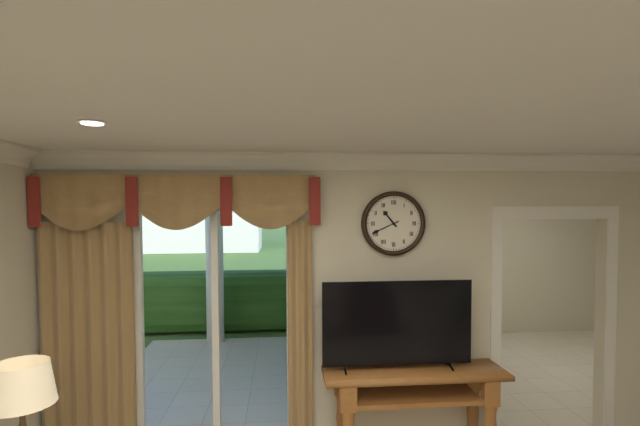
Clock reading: 10h41
